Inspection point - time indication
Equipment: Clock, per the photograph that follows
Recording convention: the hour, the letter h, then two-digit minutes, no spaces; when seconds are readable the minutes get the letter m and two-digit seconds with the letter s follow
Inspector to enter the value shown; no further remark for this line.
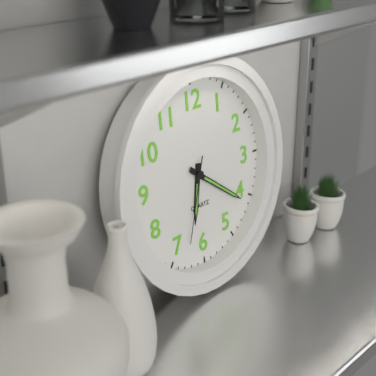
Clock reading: 6h21m33s
